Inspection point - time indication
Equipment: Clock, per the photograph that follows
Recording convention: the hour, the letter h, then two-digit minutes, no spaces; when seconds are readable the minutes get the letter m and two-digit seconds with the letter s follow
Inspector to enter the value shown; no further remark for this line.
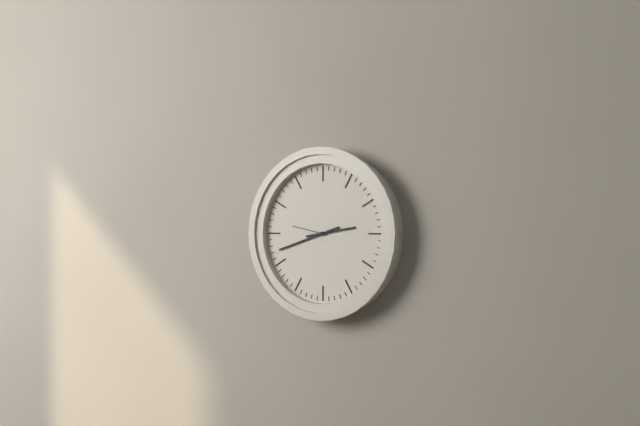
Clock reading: 2h42
